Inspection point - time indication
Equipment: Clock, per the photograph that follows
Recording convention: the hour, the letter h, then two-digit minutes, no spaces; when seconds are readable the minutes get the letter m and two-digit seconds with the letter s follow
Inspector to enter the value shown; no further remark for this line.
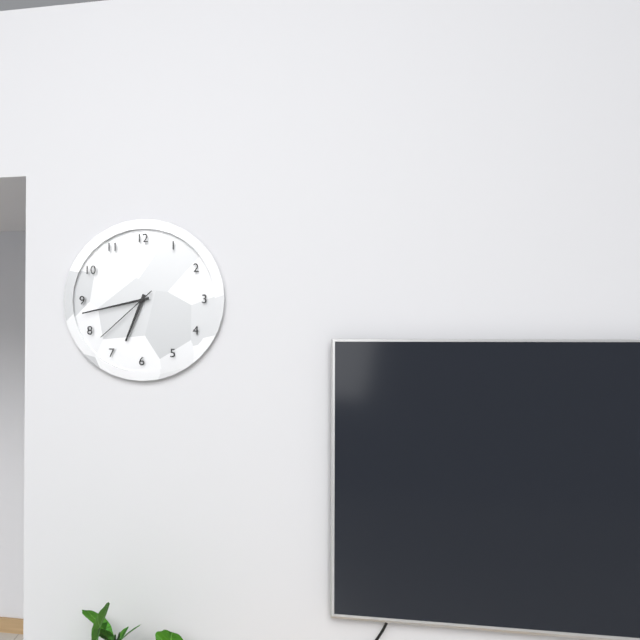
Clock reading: 6h43m38s
